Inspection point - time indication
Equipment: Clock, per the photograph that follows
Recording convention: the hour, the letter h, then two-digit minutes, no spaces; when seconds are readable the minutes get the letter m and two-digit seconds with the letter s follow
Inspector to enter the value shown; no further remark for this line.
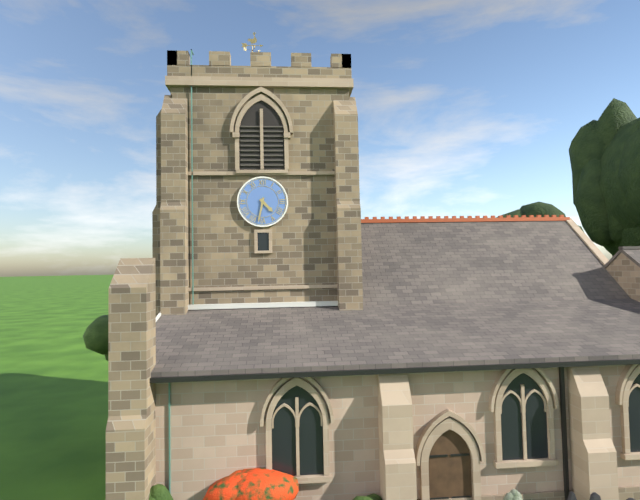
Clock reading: 4h32
